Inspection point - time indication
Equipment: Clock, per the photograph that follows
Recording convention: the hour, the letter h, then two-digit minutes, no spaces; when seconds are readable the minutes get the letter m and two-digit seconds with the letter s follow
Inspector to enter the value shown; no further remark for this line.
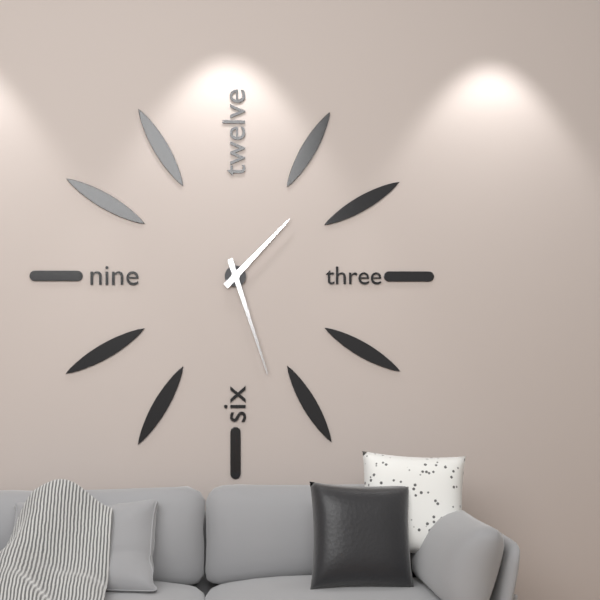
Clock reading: 1h27
